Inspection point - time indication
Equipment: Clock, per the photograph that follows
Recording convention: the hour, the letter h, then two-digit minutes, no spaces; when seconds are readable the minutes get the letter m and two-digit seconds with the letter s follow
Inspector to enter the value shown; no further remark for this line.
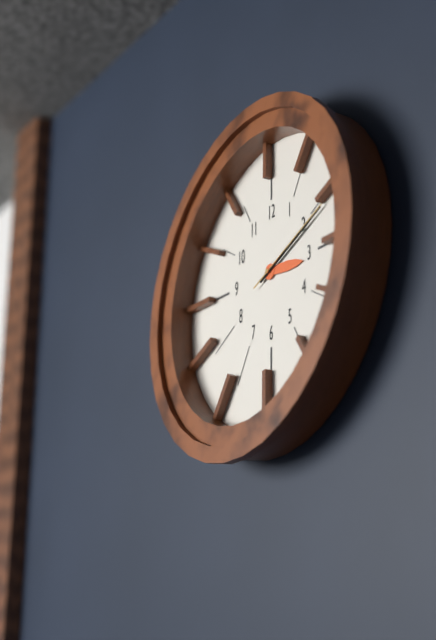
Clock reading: 3h11m11s
